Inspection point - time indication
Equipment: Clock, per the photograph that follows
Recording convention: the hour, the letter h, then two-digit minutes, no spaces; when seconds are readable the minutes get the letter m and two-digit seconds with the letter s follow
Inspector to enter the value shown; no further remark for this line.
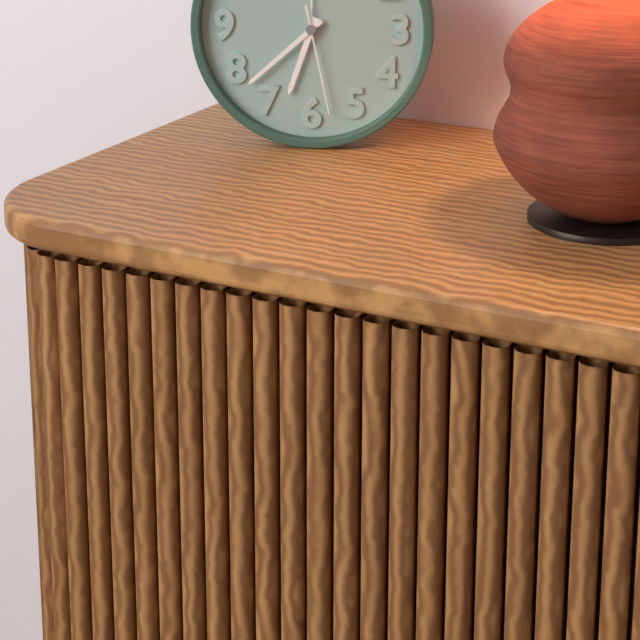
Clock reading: 6h38m28s
